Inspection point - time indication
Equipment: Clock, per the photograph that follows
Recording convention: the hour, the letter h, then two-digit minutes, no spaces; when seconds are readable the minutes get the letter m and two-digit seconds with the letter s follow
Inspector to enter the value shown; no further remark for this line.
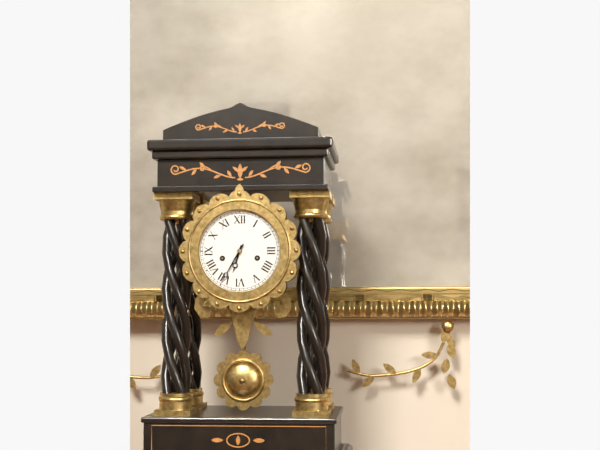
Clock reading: 6h35
